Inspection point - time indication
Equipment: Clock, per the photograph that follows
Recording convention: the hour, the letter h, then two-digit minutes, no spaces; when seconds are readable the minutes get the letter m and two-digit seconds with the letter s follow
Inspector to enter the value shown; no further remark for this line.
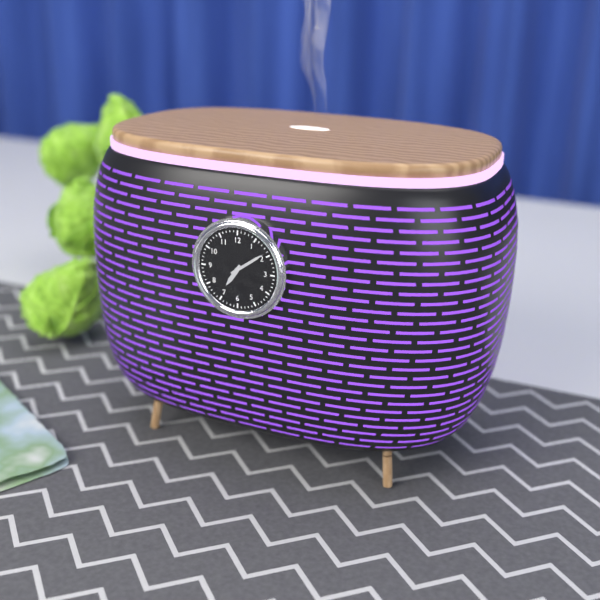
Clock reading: 7h09
